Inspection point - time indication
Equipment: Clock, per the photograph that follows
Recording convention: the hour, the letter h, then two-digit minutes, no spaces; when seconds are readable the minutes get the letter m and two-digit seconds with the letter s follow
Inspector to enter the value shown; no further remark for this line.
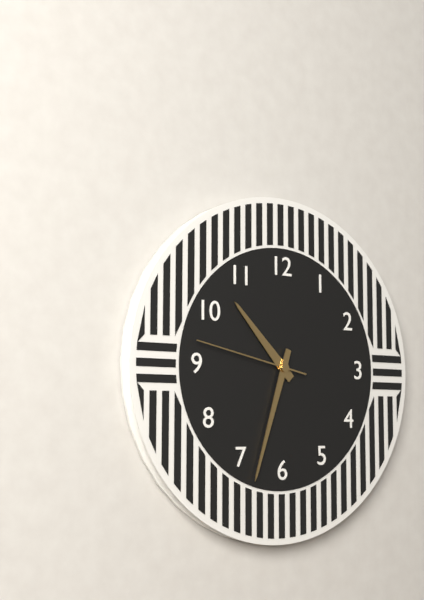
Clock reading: 10h33m47s
